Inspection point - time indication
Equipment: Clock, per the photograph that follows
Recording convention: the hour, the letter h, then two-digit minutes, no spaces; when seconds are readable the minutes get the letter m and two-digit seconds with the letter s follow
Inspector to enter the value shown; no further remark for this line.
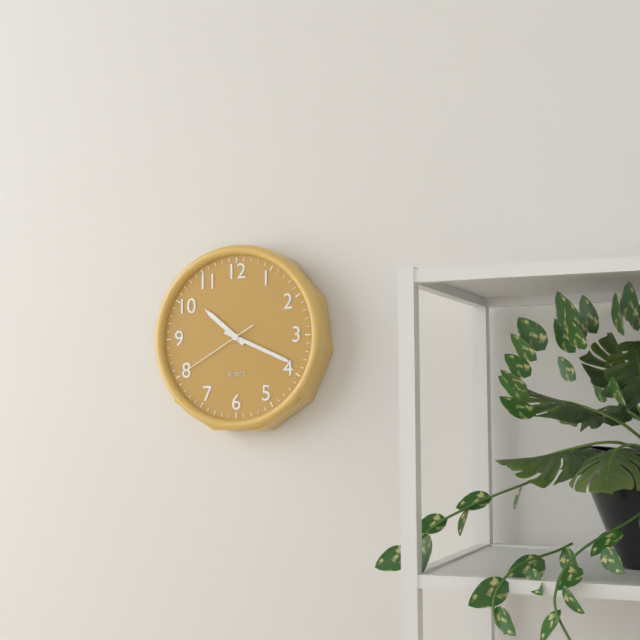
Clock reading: 10h19m40s
